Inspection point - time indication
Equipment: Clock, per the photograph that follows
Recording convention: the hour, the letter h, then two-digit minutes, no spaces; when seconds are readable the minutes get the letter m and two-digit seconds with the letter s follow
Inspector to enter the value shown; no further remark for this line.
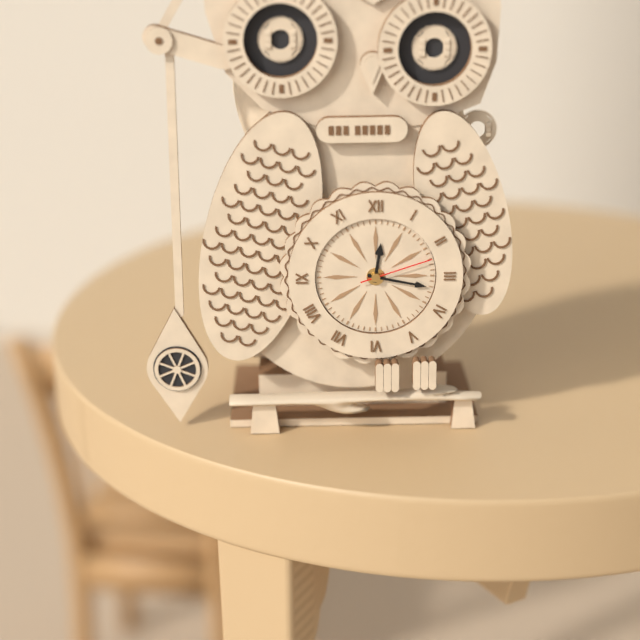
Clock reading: 12h17m12s
